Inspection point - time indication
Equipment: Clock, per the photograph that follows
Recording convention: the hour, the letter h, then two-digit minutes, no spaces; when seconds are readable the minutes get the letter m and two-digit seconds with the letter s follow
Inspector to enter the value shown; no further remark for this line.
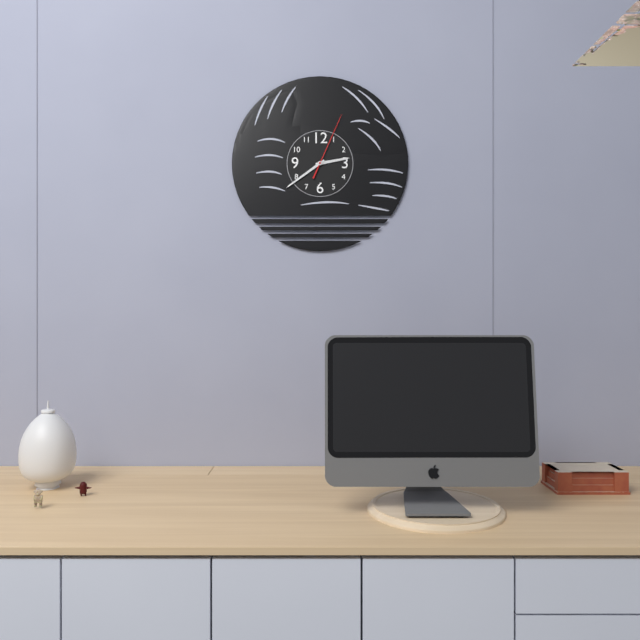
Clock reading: 2h39m04s
